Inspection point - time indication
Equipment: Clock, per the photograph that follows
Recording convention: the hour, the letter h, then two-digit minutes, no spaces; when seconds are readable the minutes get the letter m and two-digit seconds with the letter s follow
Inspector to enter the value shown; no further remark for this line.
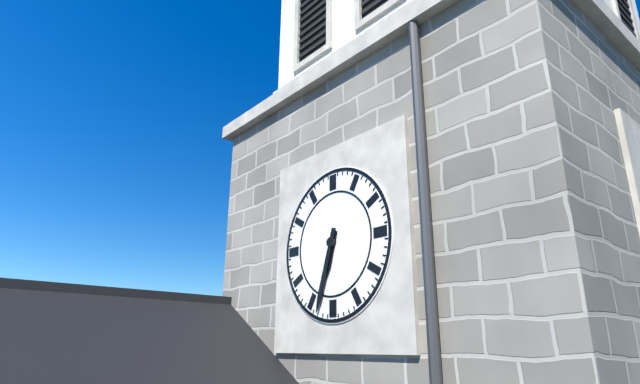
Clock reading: 6h33
